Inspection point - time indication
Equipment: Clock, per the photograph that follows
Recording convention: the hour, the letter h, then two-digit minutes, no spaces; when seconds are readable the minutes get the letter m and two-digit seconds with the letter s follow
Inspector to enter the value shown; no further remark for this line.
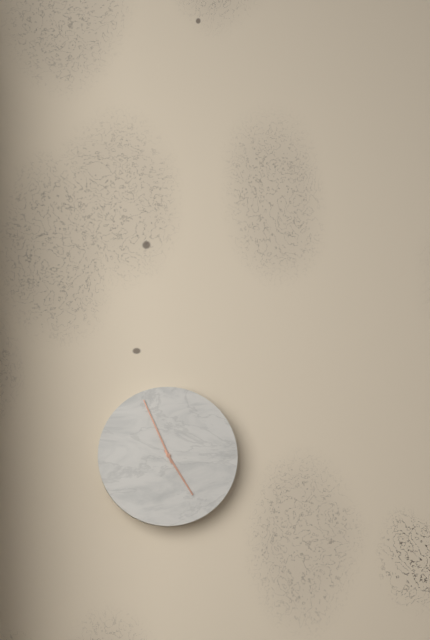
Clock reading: 4h56
